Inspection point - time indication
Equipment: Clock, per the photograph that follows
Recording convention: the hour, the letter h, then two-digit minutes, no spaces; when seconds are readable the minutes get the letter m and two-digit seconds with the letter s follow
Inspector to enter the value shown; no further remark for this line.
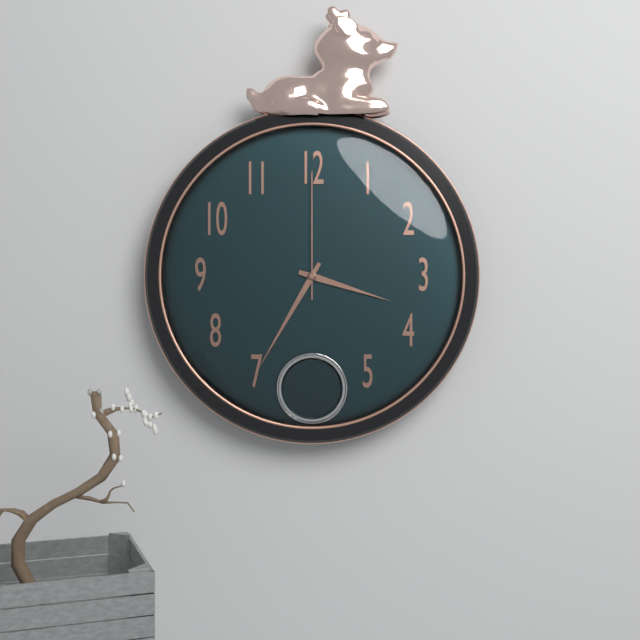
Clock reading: 3h35m00s
